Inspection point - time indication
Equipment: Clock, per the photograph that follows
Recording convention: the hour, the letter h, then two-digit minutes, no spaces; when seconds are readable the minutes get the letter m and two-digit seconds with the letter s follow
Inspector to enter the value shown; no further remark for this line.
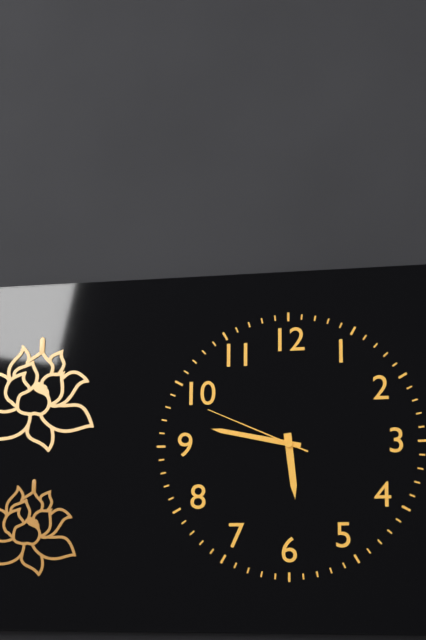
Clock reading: 5h47m49s
